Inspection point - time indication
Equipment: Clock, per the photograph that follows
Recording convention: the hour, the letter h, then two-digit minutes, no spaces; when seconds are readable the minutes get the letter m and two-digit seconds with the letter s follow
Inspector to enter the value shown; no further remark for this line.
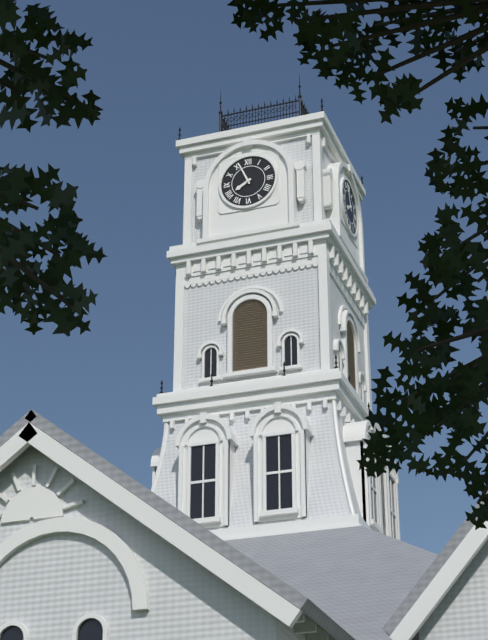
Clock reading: 7h56
